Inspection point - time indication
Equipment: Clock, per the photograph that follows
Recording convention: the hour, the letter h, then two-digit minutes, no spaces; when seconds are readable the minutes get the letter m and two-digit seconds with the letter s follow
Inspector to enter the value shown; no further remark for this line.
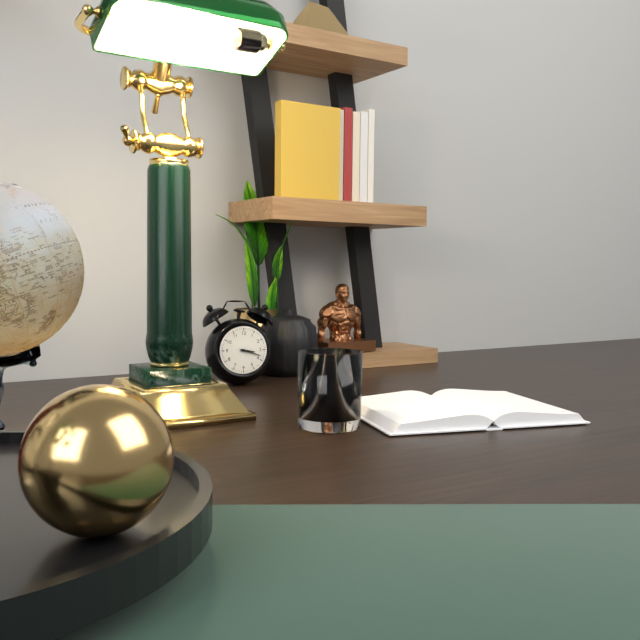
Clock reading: 3h18
